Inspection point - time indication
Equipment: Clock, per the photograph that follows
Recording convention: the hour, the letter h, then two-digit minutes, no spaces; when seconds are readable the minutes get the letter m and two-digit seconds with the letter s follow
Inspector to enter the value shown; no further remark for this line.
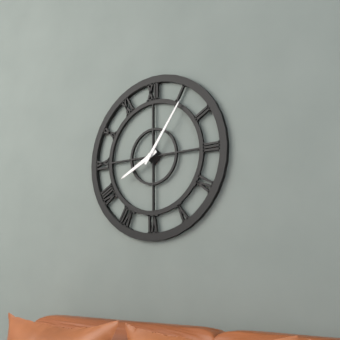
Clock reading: 8h06
